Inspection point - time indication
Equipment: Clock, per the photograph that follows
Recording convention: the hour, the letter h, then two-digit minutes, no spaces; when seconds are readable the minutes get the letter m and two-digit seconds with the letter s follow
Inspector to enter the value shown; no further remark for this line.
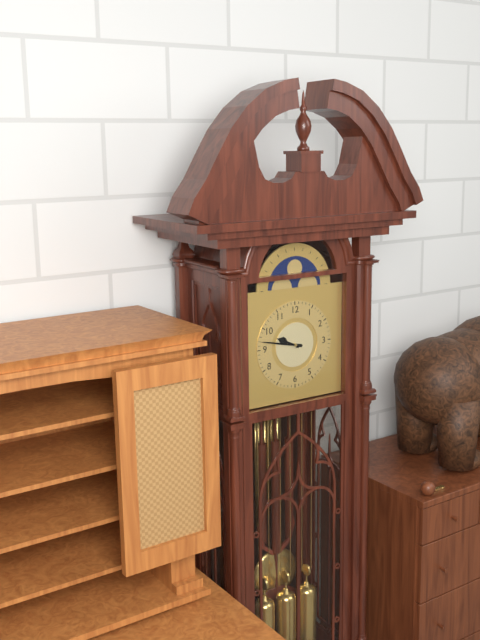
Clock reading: 9h47
